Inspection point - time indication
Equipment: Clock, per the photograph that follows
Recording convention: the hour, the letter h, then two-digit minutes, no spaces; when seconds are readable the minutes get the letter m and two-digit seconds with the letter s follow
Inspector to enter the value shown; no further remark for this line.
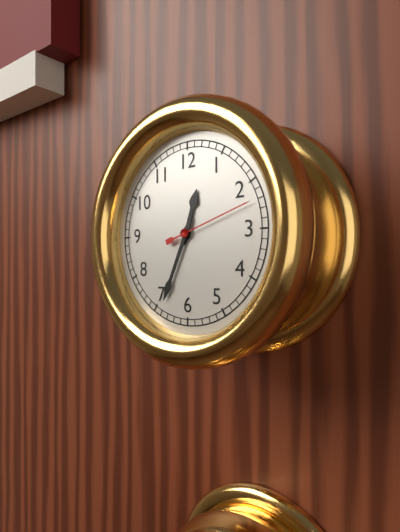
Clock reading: 12h34m12s
